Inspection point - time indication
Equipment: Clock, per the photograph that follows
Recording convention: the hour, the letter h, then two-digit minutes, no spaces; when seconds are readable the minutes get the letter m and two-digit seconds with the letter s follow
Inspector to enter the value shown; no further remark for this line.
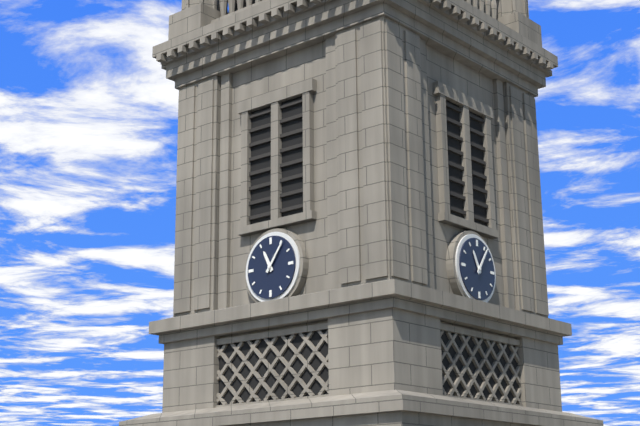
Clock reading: 11h06
